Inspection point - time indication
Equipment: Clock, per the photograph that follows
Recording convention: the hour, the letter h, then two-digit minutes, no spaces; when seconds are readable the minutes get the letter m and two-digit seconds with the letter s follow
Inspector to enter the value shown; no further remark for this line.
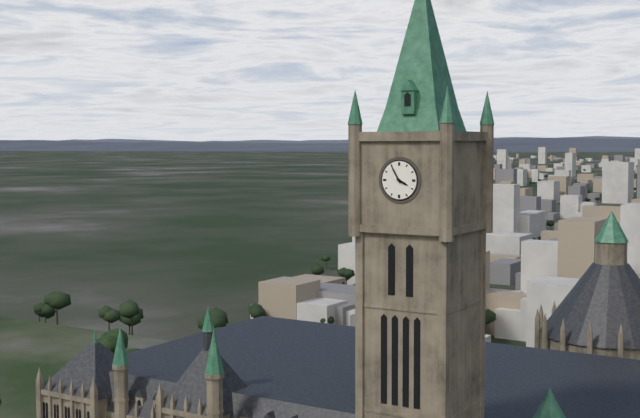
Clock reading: 3h55
